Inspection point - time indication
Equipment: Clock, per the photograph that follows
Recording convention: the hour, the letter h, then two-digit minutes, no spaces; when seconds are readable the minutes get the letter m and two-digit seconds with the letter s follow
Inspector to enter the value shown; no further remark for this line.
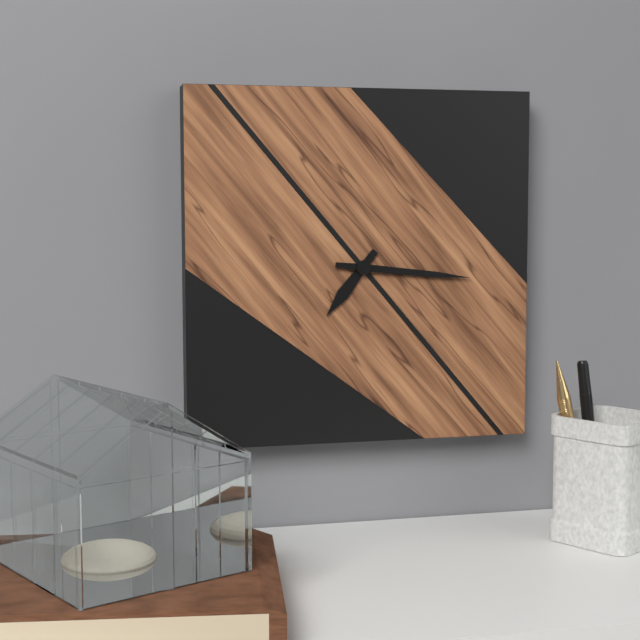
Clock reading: 7h16
